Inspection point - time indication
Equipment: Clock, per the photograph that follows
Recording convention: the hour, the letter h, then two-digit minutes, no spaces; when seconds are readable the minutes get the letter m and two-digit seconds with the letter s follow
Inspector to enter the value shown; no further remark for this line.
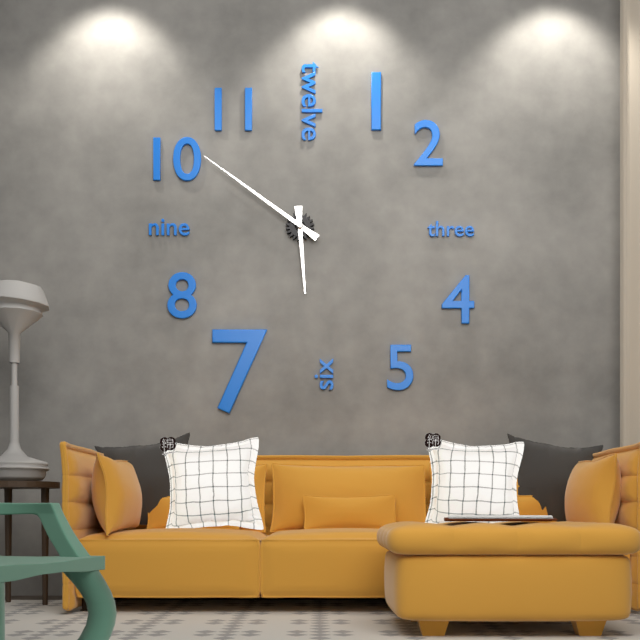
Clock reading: 5h51
